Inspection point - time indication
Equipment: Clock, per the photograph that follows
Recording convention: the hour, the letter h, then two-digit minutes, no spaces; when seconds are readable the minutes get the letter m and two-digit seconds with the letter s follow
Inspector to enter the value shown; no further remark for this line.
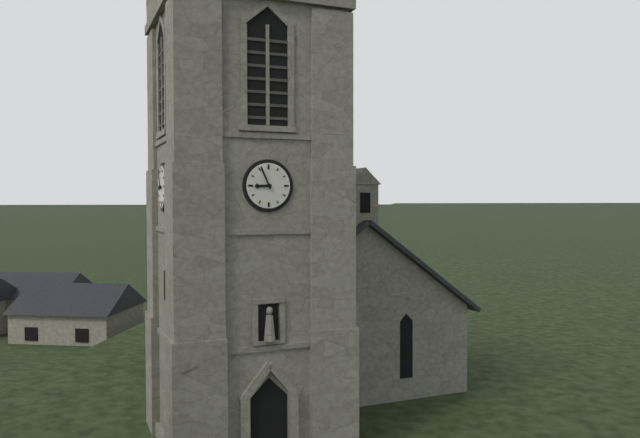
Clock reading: 8h56
